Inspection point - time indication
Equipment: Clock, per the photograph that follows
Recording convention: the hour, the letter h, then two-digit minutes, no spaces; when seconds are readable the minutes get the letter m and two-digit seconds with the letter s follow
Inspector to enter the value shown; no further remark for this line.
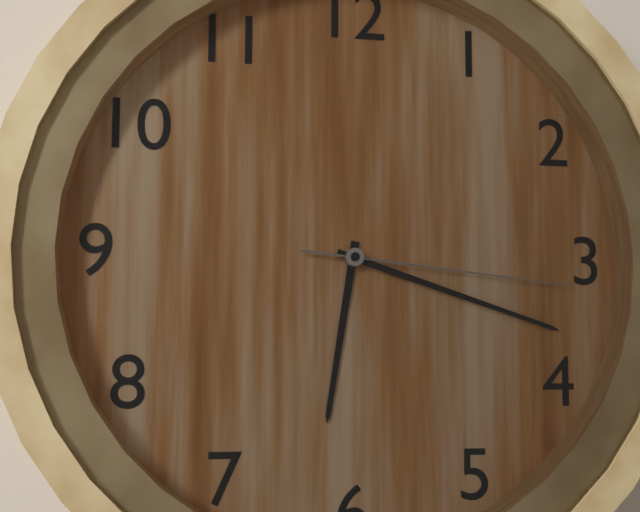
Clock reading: 6h18m16s
